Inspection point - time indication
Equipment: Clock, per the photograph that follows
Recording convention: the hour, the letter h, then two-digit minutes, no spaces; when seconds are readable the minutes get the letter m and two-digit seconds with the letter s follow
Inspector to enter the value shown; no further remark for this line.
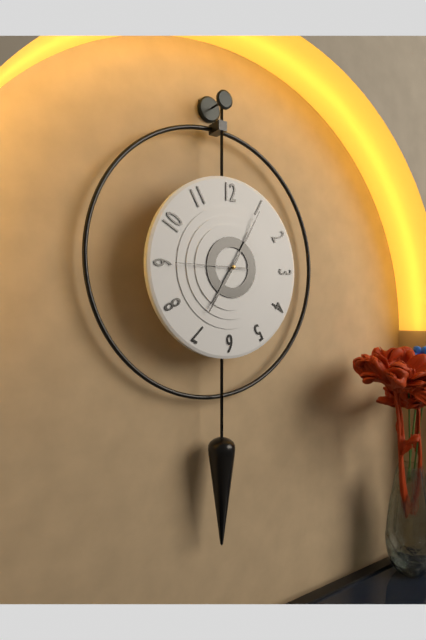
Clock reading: 7h05m45s
